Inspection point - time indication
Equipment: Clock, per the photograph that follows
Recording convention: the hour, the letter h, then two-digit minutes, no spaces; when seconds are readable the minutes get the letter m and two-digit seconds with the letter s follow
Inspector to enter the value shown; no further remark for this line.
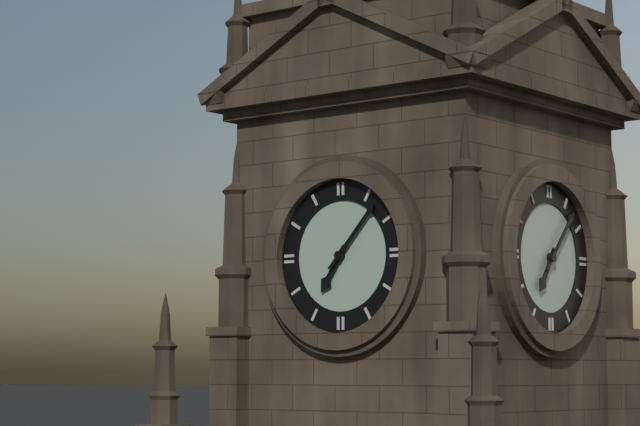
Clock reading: 7h07
